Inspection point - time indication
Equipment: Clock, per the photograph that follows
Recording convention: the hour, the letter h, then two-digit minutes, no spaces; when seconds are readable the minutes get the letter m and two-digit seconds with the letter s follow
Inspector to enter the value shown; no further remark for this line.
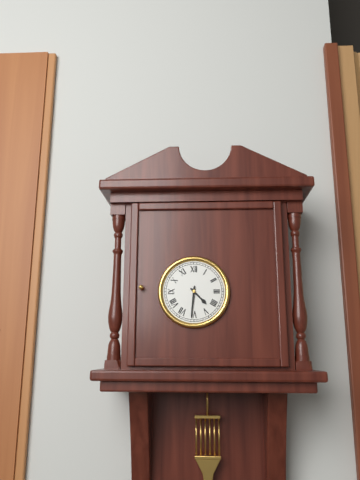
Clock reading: 4h31
